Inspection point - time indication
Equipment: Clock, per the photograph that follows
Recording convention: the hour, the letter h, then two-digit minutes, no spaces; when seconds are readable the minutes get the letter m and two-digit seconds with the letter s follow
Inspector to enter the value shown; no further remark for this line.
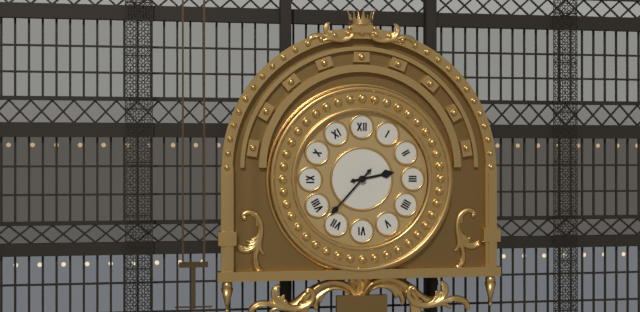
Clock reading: 2h37
